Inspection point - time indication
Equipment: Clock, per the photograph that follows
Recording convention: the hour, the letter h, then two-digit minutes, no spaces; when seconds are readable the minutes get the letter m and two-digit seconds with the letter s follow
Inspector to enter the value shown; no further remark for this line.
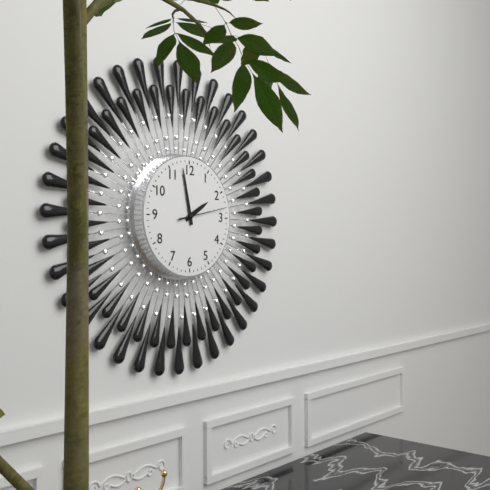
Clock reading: 1h58
